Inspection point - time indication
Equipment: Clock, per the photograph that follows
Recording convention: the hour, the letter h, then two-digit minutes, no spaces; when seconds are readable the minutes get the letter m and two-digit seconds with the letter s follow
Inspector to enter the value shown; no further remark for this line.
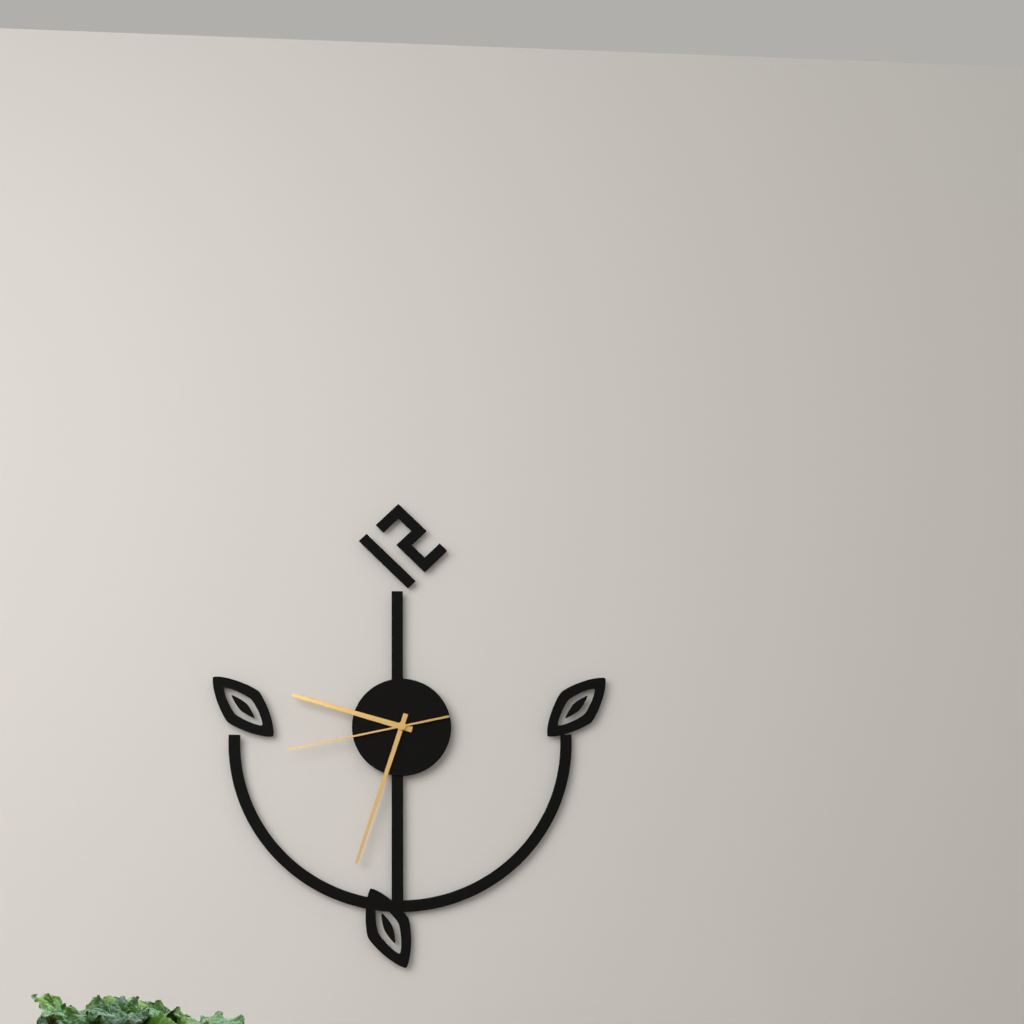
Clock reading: 9h33m43s
